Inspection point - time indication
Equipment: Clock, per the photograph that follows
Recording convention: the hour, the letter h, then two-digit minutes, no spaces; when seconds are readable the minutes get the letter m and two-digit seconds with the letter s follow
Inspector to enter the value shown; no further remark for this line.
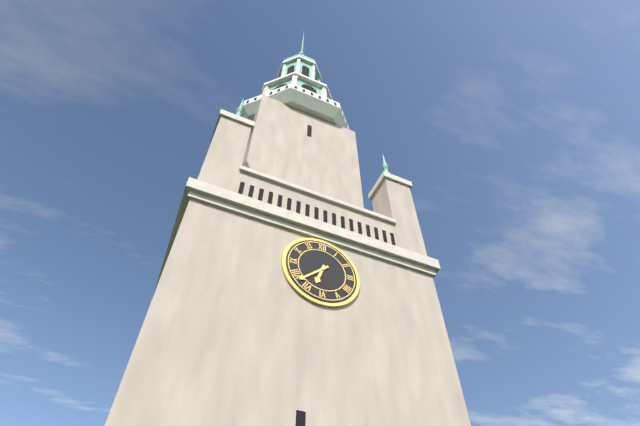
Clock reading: 6h38
